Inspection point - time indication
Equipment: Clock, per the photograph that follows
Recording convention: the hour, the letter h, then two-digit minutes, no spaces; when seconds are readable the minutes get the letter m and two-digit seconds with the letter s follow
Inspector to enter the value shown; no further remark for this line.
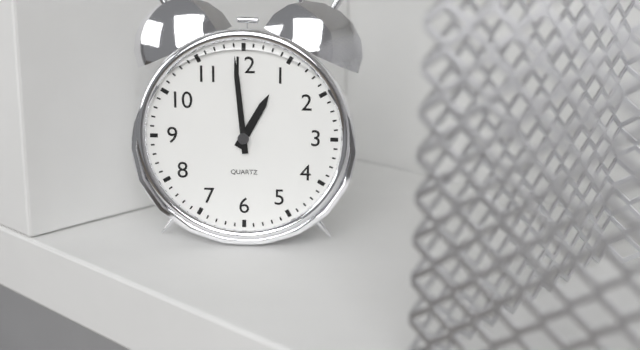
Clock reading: 12h59
